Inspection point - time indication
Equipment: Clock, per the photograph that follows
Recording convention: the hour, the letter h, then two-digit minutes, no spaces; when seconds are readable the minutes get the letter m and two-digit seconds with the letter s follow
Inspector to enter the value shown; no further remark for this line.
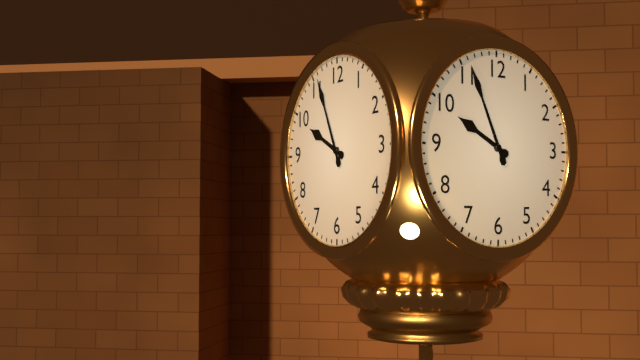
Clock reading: 9h56
